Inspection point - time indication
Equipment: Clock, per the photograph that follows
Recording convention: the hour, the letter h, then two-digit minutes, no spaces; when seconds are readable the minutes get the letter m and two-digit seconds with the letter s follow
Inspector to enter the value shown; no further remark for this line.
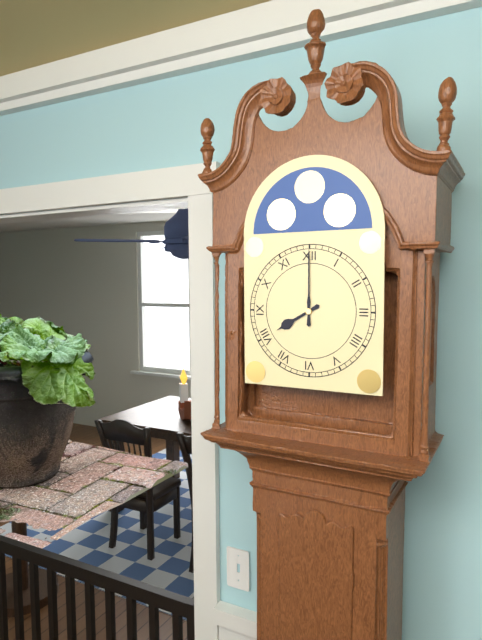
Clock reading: 8h00
